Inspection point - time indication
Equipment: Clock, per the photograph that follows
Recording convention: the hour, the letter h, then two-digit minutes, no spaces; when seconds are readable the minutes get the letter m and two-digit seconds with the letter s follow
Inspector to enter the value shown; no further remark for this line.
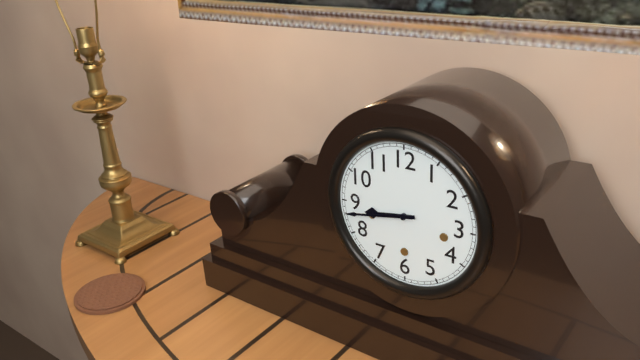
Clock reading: 8h43
